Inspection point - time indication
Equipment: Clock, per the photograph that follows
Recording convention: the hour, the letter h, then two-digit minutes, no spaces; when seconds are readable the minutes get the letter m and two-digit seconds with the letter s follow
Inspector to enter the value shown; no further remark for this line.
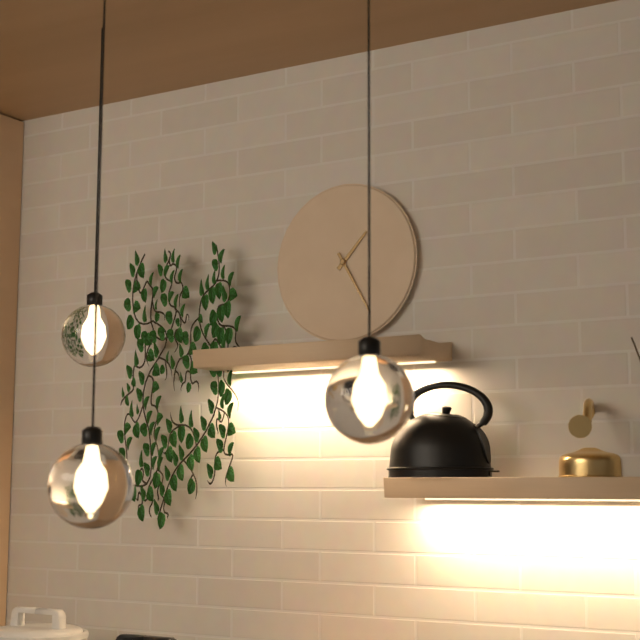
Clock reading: 1h25
